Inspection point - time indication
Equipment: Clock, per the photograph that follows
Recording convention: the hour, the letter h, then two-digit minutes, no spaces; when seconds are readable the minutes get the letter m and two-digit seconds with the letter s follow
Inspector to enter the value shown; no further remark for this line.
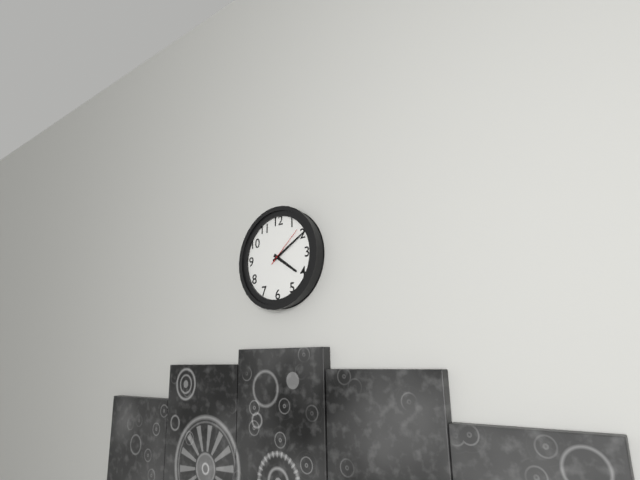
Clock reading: 4h10
